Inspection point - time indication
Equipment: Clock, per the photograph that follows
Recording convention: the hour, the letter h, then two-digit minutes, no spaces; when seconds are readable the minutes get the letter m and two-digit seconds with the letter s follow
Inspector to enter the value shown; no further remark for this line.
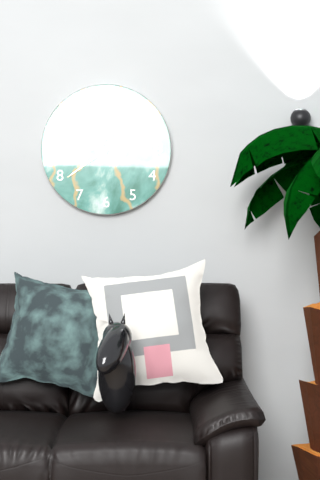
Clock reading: 12h39
